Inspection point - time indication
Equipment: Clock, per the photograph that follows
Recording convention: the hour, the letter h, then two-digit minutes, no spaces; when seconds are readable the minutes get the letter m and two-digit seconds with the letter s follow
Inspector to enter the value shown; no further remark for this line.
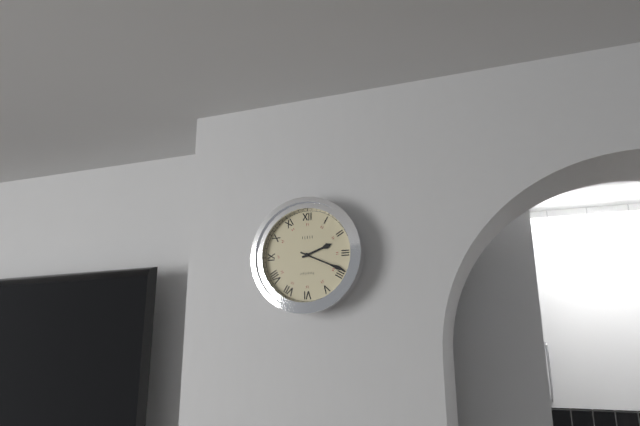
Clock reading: 2h19
